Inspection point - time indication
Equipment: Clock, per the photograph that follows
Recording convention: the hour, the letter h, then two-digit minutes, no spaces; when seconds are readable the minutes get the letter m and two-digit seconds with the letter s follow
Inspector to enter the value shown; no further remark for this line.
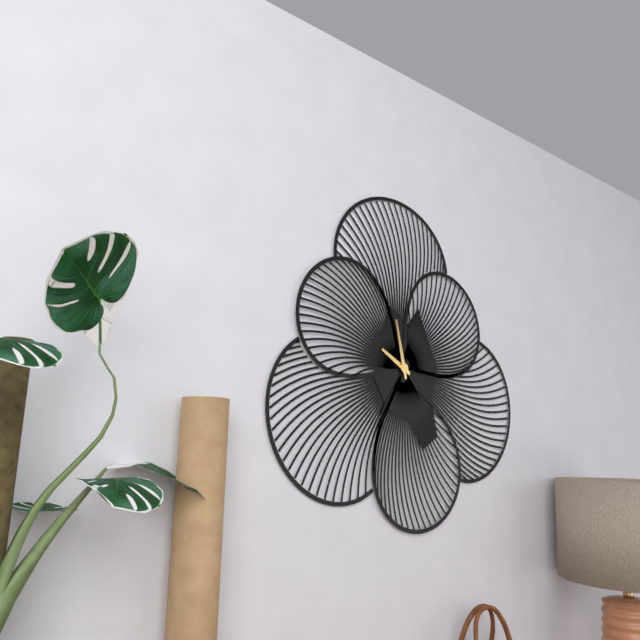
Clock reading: 9h58
